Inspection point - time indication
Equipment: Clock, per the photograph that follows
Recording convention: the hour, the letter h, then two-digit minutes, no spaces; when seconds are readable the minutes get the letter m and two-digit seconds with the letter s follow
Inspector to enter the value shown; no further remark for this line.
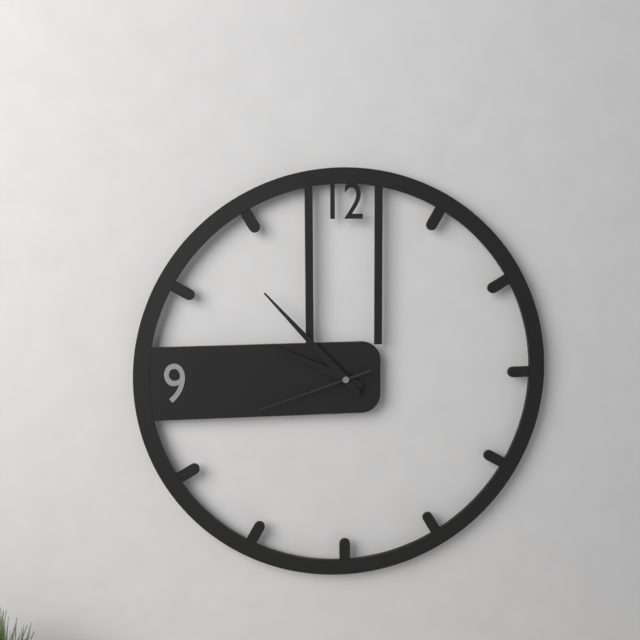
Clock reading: 9h53m42s
